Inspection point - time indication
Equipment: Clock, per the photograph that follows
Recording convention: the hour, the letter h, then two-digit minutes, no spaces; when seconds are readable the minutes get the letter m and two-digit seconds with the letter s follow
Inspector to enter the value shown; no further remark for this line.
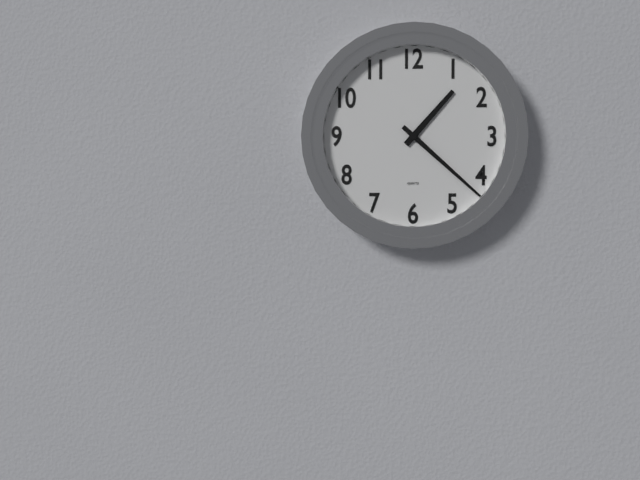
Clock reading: 1h22
